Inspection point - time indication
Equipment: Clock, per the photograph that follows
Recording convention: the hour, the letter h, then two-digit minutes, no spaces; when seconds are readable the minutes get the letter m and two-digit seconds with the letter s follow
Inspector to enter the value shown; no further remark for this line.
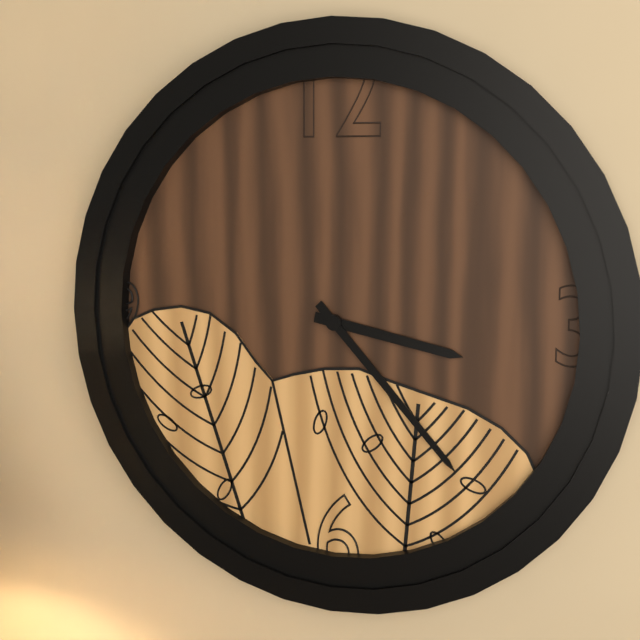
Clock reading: 3h23
